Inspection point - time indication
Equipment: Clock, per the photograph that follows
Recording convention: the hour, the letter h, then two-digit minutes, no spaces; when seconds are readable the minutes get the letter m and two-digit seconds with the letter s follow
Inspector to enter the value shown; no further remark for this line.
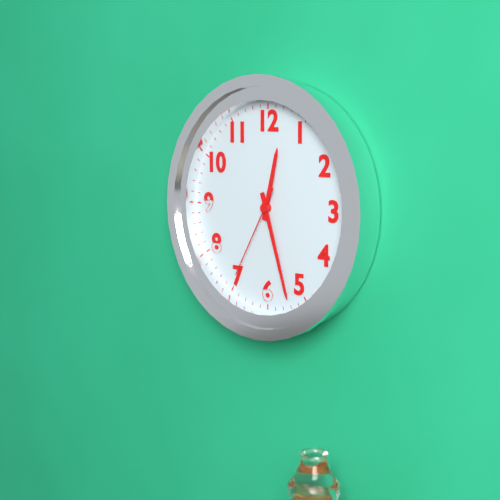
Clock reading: 12h27m35s
